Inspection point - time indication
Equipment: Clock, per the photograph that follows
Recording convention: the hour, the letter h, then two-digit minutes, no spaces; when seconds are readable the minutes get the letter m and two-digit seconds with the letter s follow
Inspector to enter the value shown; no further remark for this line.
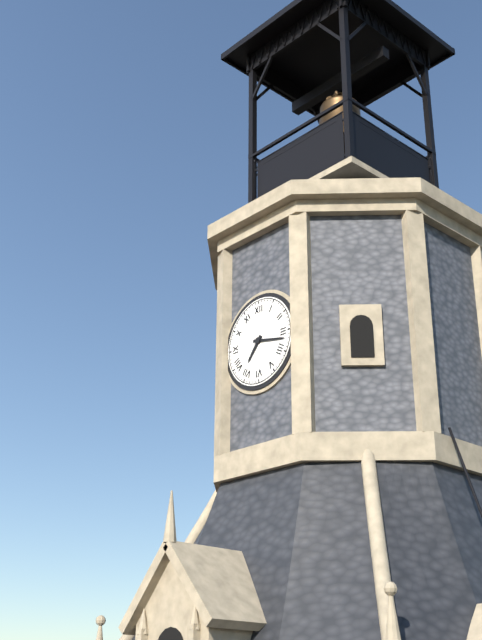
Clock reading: 7h17
